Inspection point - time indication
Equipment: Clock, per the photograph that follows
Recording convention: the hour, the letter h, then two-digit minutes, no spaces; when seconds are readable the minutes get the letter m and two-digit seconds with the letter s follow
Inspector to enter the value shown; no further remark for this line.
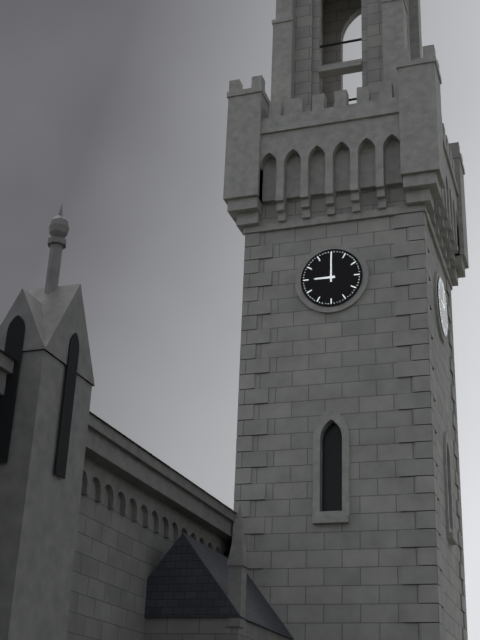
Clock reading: 9h00
